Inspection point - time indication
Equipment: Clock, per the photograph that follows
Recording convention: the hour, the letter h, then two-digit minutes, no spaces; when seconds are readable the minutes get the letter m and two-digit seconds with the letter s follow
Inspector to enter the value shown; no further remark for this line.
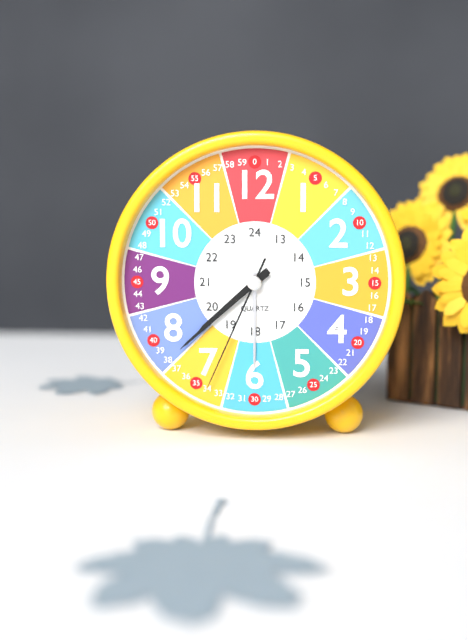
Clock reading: 7h38m34s
